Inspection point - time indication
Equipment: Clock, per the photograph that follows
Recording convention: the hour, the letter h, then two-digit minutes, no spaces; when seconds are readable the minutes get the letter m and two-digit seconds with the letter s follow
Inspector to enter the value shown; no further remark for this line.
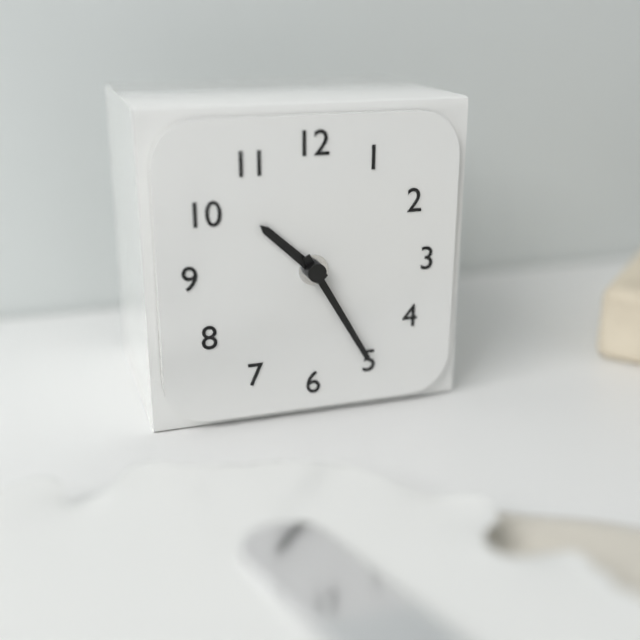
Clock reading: 10h25
